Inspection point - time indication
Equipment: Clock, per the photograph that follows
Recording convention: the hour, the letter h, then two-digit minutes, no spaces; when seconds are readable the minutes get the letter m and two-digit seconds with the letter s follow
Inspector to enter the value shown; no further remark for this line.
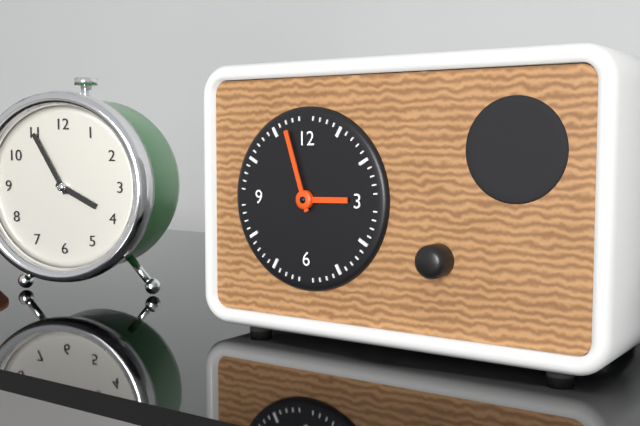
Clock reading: 2h57
